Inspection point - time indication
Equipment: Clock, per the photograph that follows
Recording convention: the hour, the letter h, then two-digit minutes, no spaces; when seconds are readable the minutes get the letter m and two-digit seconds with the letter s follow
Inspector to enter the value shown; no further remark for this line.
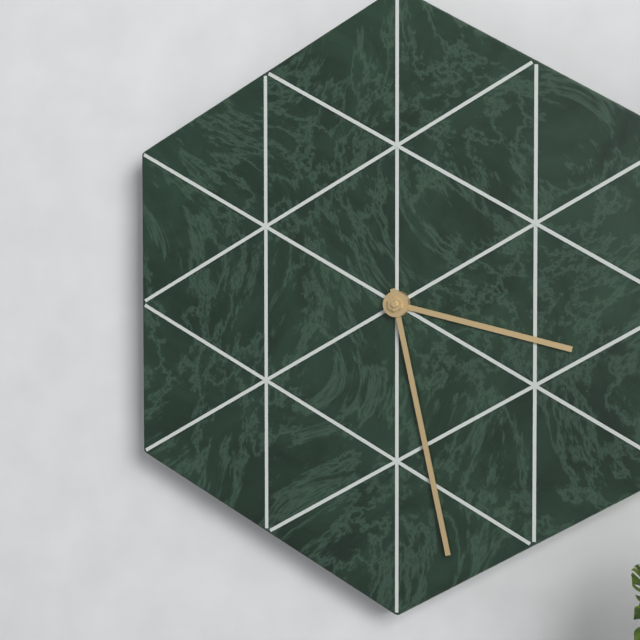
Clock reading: 3h28
